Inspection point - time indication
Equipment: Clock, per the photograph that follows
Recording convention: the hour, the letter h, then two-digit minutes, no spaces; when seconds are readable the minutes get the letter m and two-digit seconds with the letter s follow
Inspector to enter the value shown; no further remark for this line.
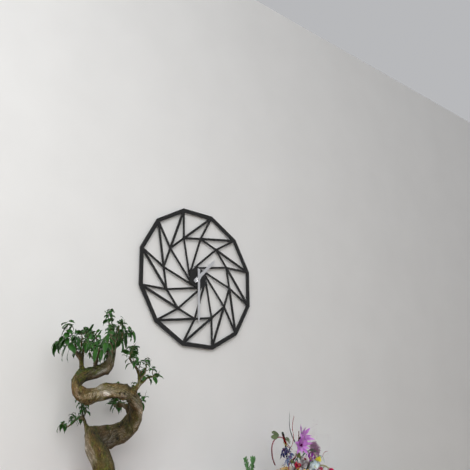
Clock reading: 1h30
